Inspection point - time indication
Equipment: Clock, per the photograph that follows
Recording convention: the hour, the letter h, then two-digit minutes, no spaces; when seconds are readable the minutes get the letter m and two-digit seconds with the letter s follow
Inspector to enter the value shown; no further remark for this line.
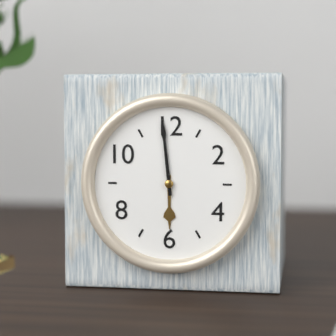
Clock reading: 5h59
